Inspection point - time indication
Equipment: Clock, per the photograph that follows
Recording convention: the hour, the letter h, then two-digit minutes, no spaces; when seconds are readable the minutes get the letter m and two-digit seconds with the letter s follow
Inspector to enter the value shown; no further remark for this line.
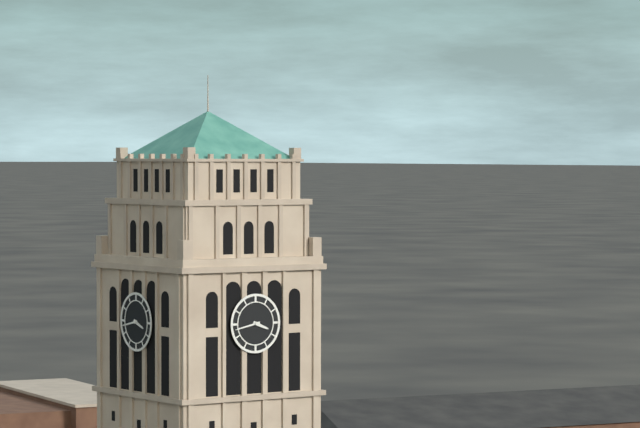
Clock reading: 3h43
